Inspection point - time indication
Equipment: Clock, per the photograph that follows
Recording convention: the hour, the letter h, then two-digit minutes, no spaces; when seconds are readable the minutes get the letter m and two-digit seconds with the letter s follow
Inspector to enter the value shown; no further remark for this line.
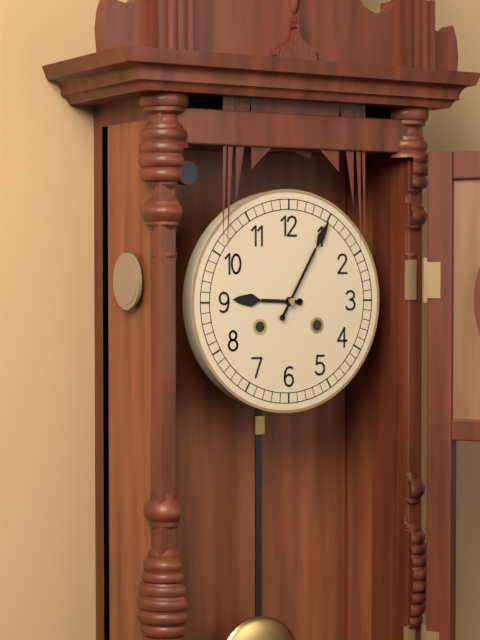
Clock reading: 9h05
